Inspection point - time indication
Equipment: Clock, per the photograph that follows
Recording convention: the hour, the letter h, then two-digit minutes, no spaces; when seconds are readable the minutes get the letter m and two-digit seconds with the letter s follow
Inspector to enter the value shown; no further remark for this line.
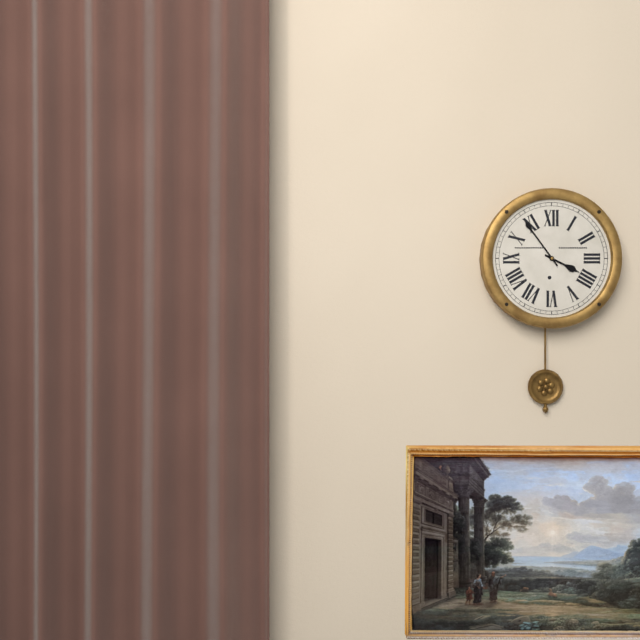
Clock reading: 3h54
